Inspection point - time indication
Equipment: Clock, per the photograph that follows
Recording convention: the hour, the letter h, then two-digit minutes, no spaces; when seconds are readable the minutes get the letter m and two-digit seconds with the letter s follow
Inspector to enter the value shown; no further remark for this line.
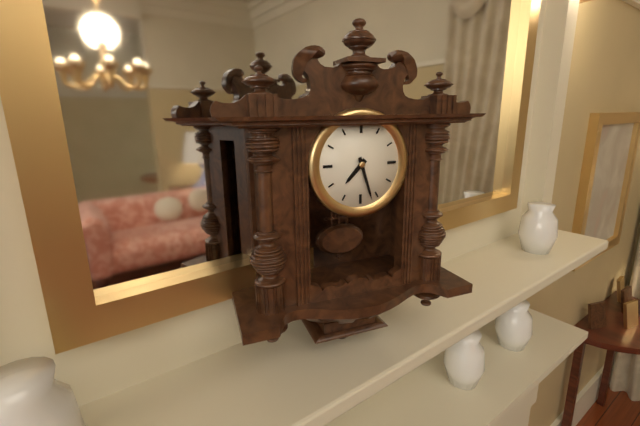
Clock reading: 7h27
